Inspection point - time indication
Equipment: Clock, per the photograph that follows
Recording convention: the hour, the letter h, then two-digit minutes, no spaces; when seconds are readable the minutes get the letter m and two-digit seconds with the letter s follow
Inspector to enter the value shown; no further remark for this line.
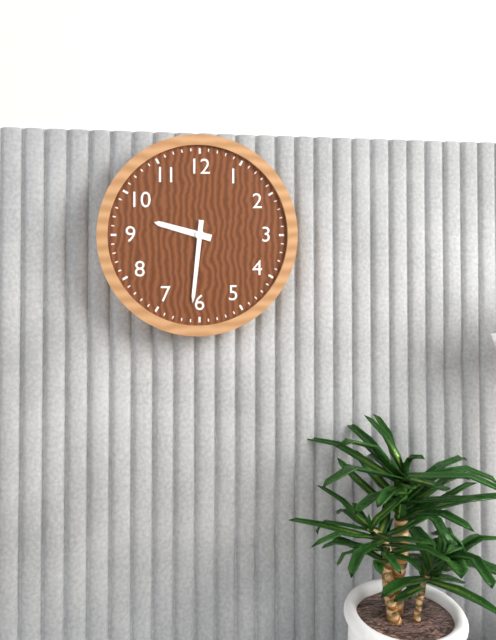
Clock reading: 9h31
